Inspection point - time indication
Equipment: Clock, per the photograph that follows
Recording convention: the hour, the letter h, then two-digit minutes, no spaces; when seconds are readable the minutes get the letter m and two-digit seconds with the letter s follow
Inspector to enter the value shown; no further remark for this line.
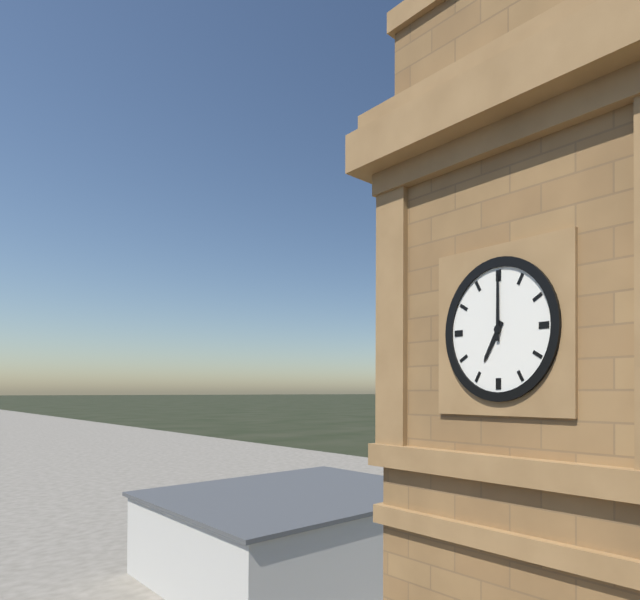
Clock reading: 7h00
